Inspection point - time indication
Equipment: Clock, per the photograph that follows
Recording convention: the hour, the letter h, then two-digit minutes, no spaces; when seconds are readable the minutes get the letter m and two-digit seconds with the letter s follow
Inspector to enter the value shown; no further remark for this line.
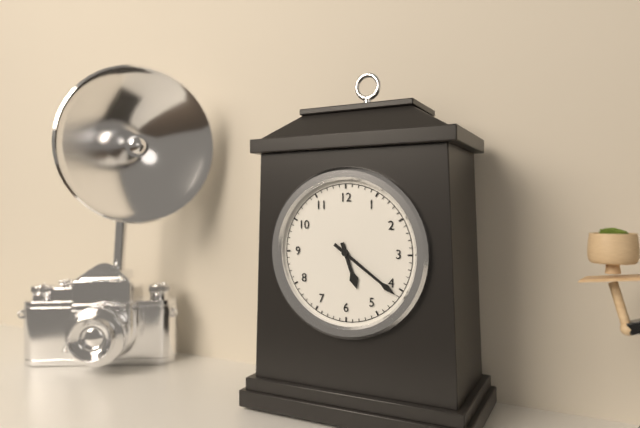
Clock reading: 5h21
